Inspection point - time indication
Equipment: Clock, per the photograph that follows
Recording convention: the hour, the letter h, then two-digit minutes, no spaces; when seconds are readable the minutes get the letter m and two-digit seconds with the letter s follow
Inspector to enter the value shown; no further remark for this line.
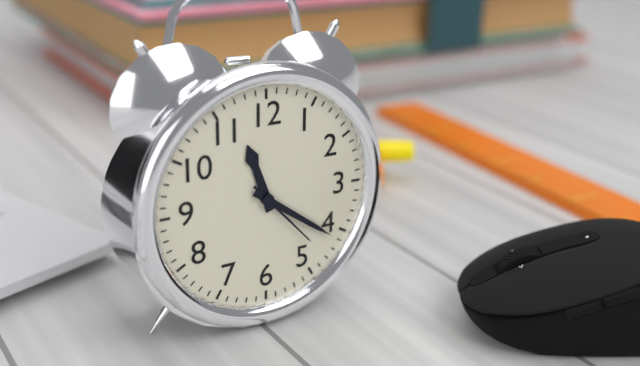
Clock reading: 11h21m23s
